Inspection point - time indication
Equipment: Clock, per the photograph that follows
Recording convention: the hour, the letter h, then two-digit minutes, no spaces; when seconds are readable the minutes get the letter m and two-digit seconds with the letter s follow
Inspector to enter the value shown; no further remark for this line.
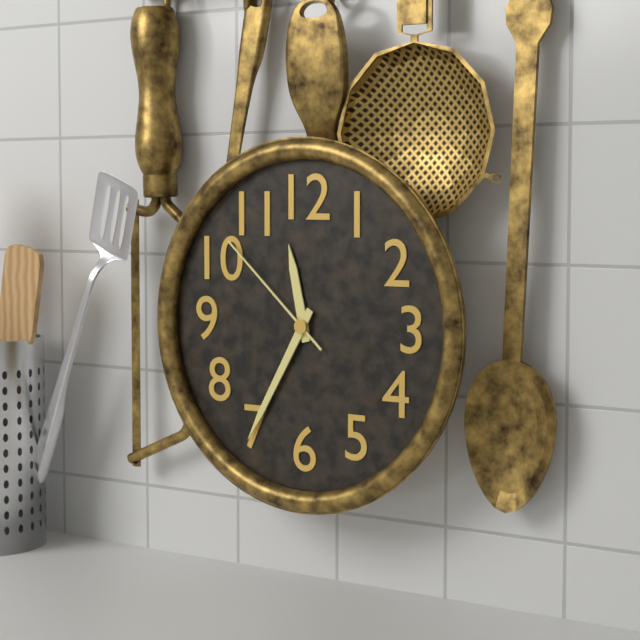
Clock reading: 11h35m52s
